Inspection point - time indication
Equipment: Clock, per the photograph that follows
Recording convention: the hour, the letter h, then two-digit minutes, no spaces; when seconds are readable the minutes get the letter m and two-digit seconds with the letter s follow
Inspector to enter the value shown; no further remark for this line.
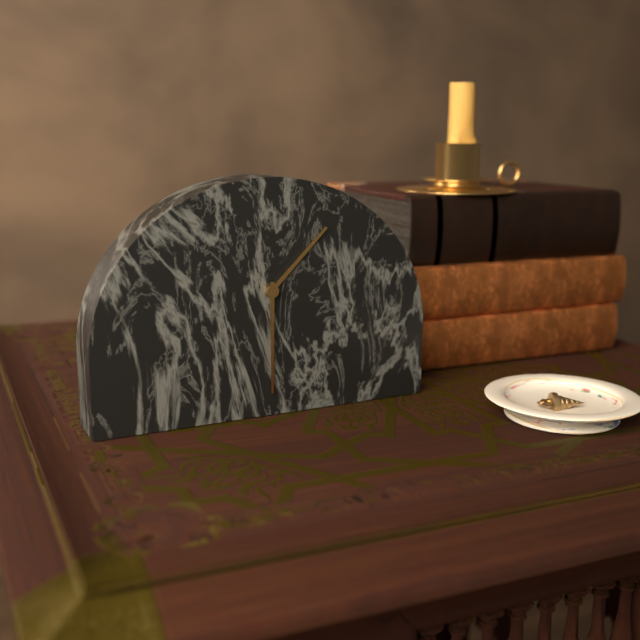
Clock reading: 1h30
